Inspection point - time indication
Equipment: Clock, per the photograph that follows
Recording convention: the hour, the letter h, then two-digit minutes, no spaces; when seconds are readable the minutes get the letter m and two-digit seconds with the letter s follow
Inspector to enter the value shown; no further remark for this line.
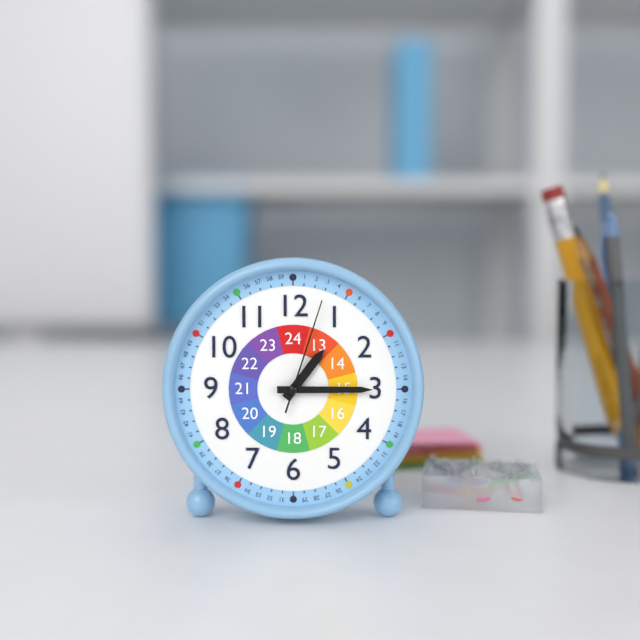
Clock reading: 1h15m03s
